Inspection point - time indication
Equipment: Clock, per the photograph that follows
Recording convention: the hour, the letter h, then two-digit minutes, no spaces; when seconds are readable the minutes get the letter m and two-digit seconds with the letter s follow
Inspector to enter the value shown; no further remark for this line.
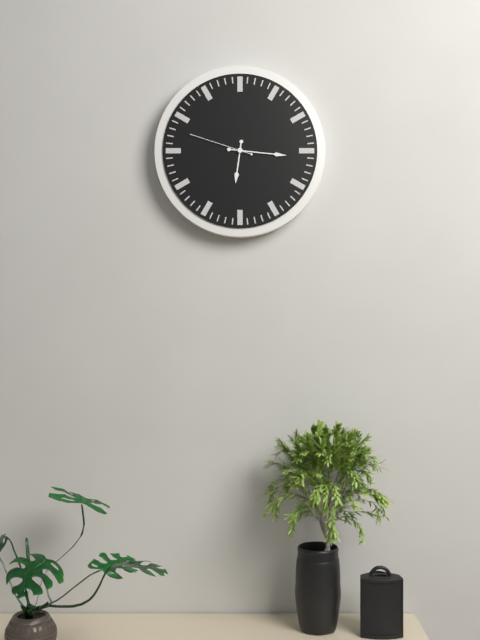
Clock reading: 6h16m48s
